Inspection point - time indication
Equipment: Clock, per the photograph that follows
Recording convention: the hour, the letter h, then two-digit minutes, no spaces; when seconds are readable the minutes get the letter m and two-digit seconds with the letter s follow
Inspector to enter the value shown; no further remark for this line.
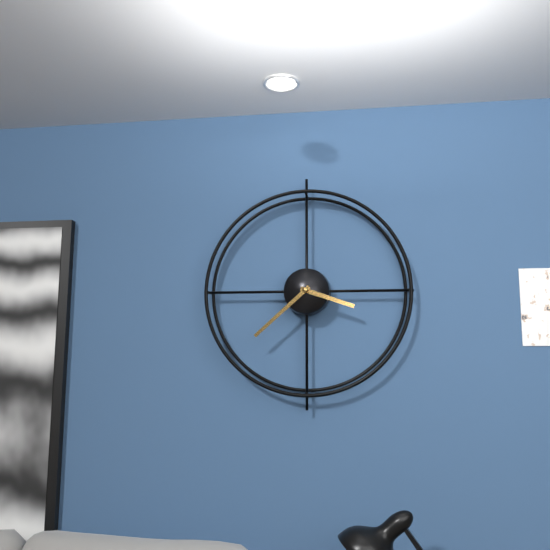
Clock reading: 3h38
